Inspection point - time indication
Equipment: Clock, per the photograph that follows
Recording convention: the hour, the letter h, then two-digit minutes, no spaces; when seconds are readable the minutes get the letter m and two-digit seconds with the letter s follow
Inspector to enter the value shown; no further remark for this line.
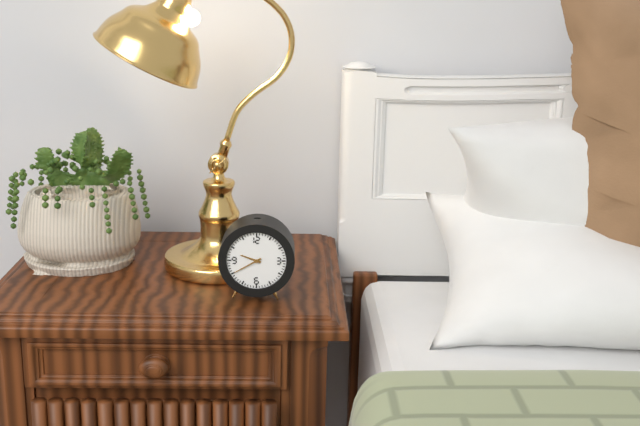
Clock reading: 9h40
